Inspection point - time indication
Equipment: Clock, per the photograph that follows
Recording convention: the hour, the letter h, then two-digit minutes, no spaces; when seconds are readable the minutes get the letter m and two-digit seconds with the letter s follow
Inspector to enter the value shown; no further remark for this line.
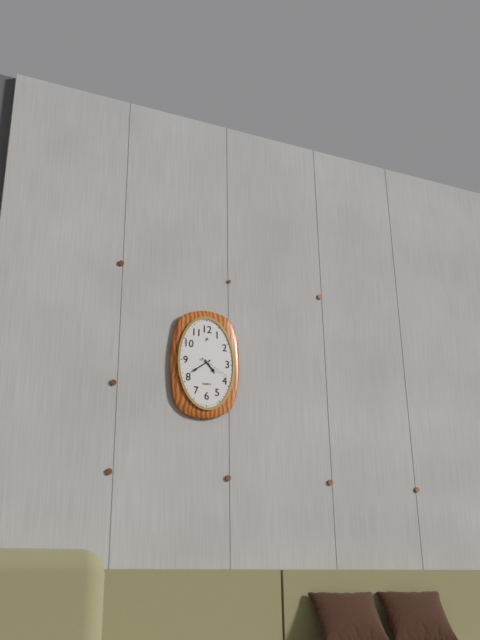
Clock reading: 4h39
